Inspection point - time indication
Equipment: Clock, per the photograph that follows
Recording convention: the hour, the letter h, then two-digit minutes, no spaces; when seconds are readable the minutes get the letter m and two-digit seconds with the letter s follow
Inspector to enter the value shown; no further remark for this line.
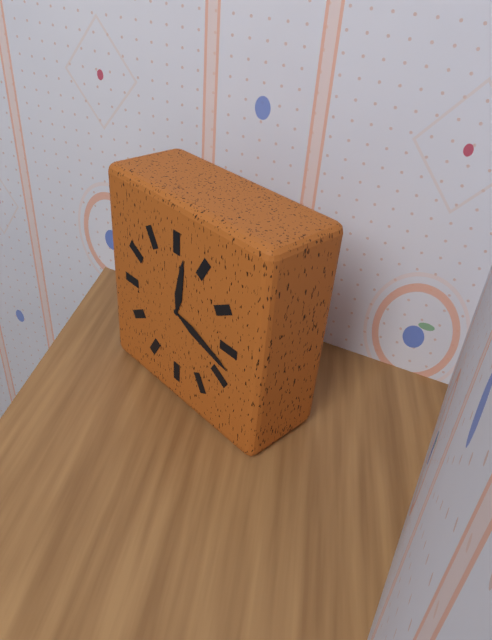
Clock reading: 12h18
